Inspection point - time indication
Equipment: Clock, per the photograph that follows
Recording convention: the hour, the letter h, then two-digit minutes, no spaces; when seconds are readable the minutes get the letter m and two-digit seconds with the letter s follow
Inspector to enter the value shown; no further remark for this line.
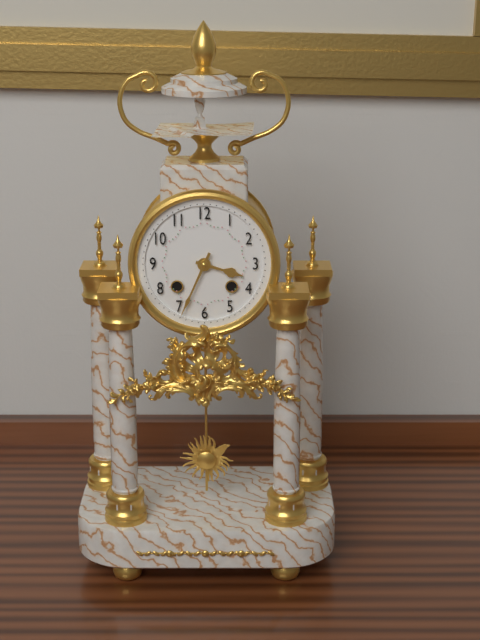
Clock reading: 3h34
